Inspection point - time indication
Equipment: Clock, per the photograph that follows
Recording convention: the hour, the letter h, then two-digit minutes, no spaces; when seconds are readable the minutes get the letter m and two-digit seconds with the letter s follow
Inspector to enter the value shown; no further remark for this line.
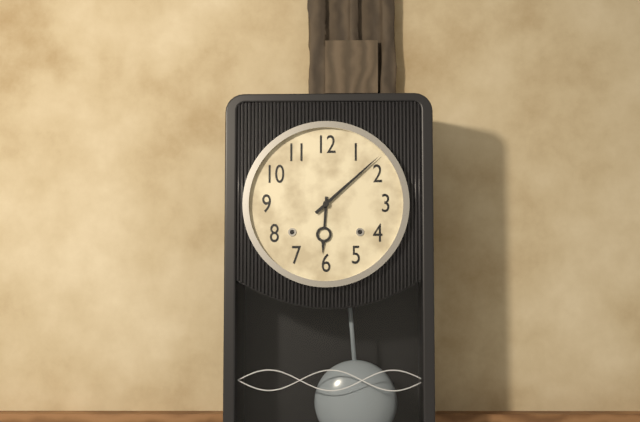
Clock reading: 6h08
